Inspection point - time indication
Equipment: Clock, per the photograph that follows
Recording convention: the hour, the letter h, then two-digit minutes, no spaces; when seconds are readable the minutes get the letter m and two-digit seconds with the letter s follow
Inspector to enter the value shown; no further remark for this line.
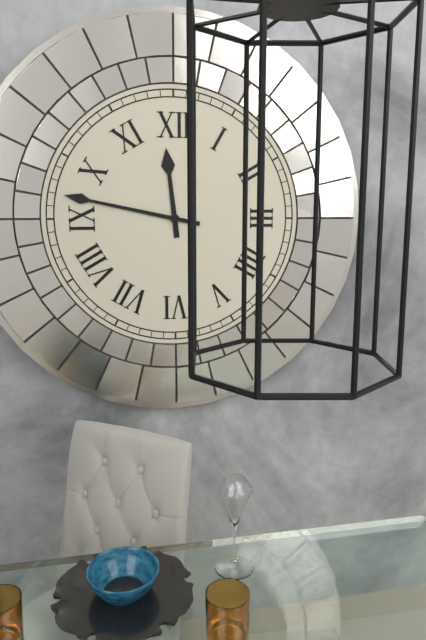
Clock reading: 11h47
